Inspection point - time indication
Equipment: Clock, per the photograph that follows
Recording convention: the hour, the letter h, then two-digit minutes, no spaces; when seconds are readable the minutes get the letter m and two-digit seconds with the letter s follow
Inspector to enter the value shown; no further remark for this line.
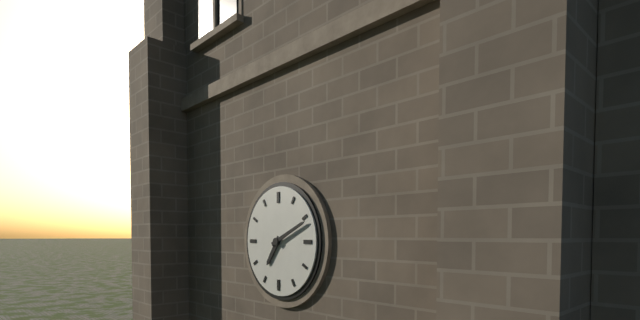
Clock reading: 7h11
